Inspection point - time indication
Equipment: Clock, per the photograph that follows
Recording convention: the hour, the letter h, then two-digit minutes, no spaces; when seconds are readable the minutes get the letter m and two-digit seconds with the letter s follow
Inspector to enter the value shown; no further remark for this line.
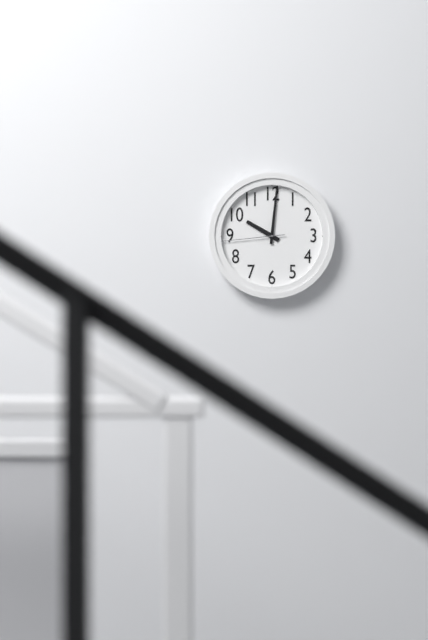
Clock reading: 10h01m44s
